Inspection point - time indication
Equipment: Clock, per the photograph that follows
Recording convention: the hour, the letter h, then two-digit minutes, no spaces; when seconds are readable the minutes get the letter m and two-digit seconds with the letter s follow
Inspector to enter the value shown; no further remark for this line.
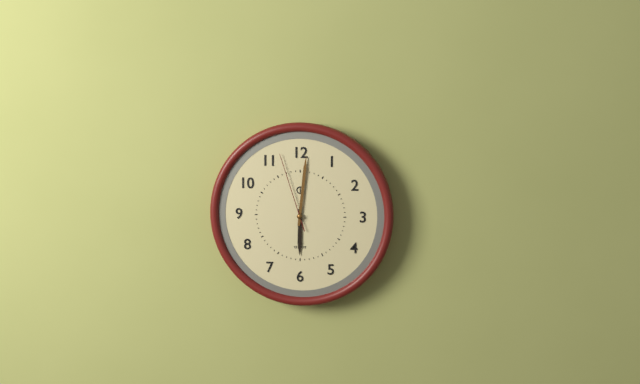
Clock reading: 6h01m57s
